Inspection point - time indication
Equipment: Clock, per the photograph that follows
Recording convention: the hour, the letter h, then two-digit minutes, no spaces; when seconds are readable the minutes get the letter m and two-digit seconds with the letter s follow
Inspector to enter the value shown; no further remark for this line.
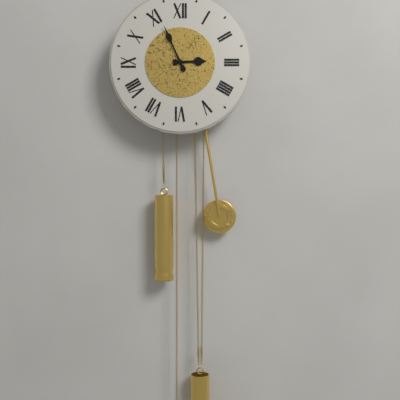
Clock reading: 2h56
